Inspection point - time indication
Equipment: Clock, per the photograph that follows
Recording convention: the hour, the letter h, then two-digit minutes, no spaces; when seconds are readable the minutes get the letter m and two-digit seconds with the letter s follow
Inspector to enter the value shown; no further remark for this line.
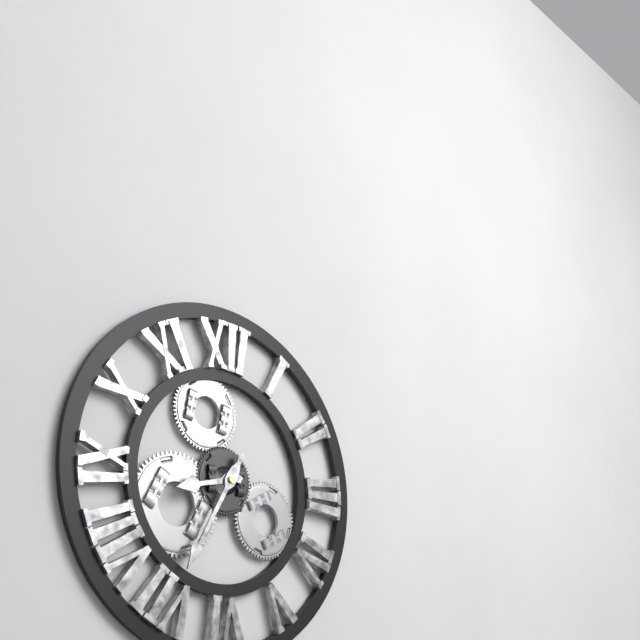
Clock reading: 8h35
